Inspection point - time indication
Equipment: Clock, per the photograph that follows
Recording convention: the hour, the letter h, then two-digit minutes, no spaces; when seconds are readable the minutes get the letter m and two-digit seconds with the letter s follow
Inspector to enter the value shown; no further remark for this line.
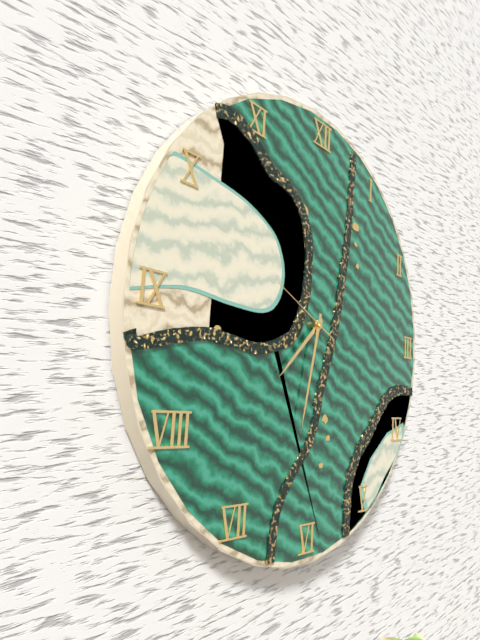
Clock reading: 7h32m49s
